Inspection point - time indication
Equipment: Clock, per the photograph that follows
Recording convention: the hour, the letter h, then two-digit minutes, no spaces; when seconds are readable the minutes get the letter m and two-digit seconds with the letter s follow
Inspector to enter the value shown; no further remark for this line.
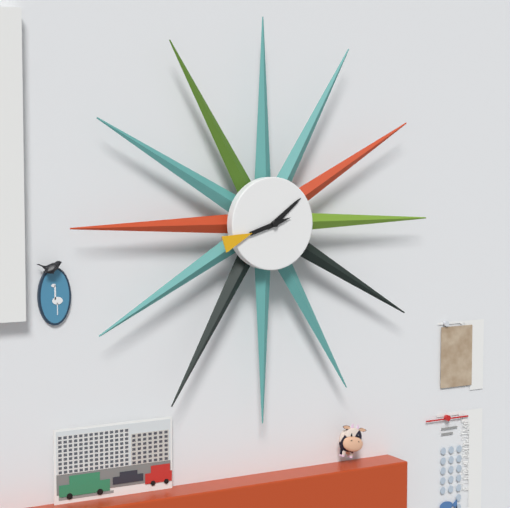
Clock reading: 1h42
